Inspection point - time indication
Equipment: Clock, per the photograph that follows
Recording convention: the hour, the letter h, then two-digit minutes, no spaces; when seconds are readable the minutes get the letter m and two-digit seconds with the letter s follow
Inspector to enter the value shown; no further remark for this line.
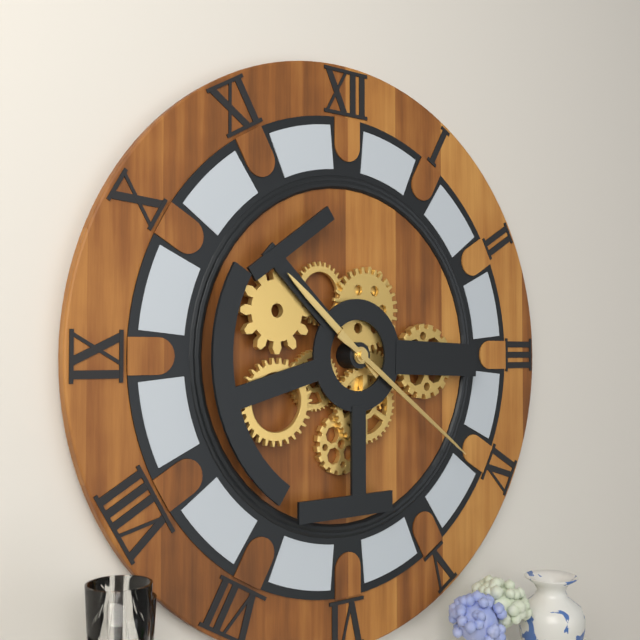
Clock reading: 10h21
